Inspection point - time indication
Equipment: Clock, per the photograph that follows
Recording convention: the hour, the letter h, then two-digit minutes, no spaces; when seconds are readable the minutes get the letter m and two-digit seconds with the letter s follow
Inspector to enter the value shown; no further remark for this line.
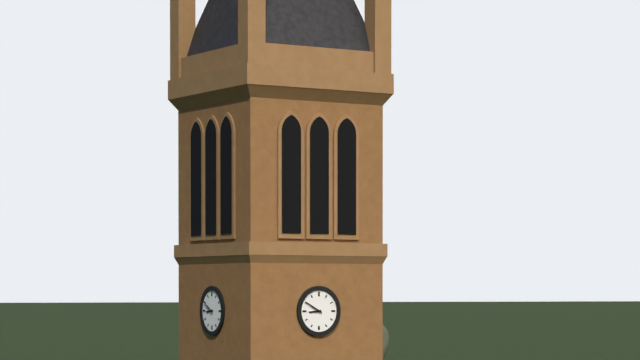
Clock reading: 8h50
